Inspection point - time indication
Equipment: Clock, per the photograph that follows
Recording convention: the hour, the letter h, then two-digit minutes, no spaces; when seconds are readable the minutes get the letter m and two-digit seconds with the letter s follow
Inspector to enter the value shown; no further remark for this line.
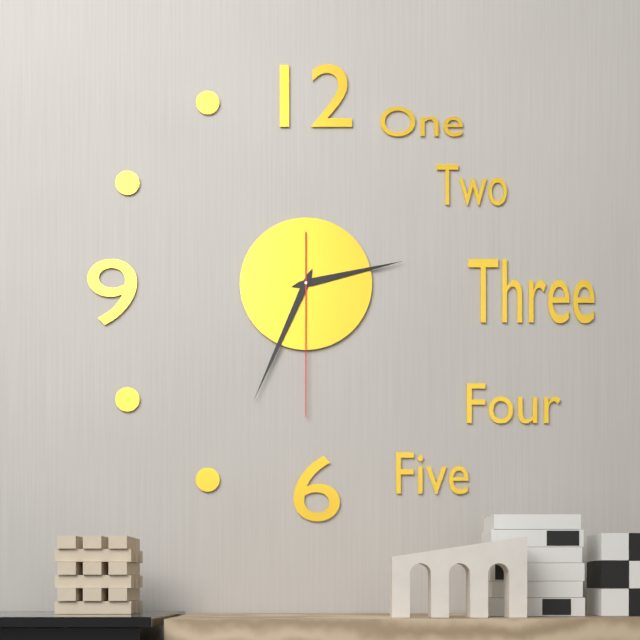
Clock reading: 2h34m30s
